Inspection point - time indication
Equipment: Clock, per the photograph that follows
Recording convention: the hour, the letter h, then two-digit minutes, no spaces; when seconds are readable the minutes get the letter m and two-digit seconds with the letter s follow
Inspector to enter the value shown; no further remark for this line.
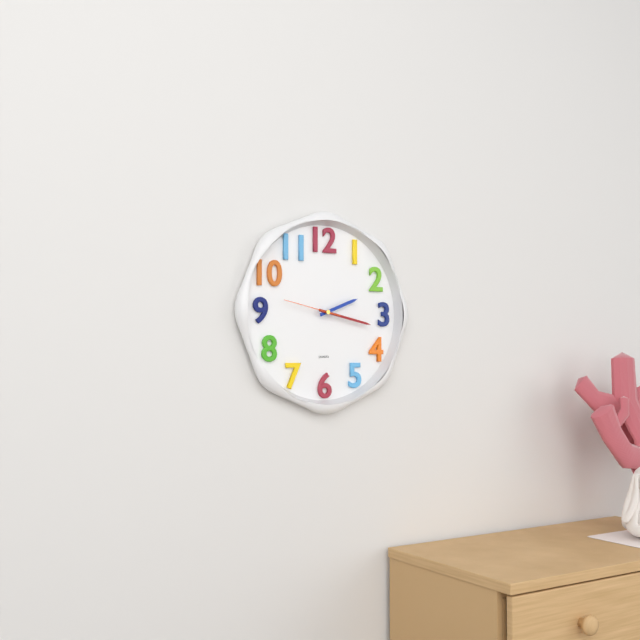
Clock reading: 2h17m47s
